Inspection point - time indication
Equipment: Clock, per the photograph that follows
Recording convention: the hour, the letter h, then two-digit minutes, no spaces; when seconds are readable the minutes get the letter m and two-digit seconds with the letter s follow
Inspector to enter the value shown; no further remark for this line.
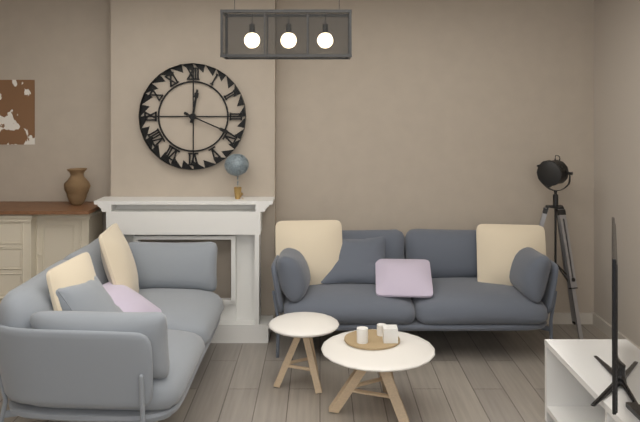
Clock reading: 12h19
